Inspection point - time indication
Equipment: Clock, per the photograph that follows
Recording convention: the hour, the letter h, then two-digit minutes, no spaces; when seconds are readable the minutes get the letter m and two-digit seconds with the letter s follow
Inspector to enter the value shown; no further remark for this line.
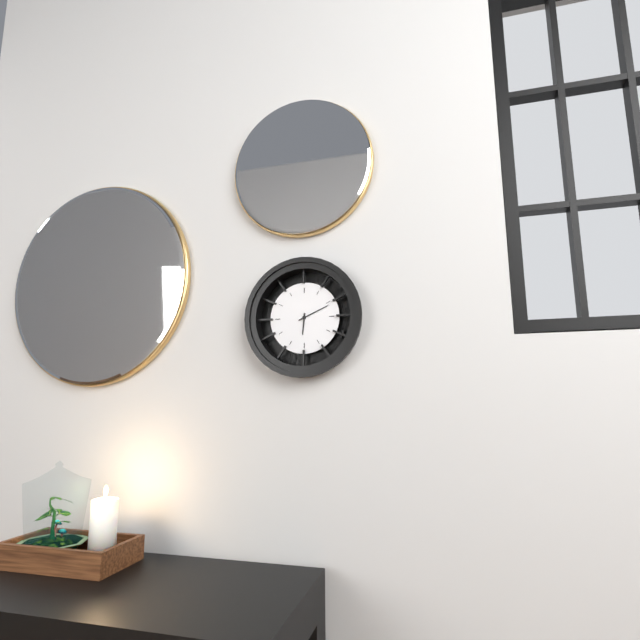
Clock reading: 6h11
